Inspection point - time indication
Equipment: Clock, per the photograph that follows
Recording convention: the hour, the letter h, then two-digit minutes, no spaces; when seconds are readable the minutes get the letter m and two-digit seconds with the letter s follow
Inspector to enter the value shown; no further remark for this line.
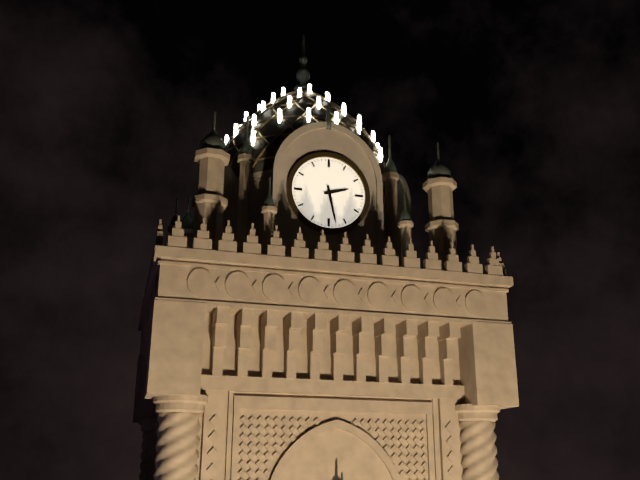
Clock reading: 2h28
